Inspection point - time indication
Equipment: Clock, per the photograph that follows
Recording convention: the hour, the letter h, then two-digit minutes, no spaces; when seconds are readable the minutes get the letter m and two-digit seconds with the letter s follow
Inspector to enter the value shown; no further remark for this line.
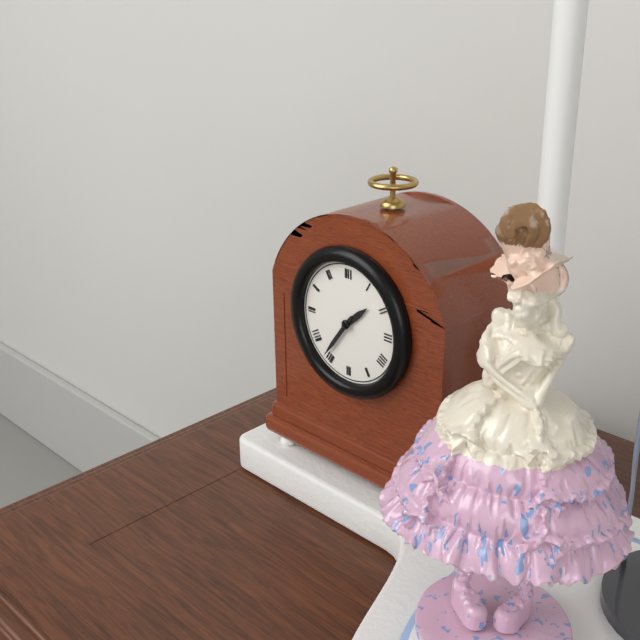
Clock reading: 1h36
